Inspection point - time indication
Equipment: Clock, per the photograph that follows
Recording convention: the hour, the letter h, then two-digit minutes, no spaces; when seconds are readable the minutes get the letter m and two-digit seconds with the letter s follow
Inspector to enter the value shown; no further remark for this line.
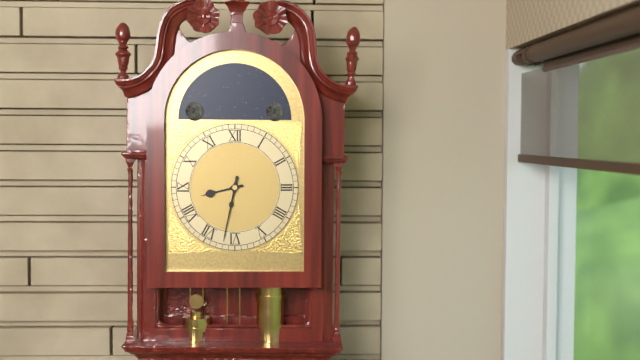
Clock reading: 8h32
